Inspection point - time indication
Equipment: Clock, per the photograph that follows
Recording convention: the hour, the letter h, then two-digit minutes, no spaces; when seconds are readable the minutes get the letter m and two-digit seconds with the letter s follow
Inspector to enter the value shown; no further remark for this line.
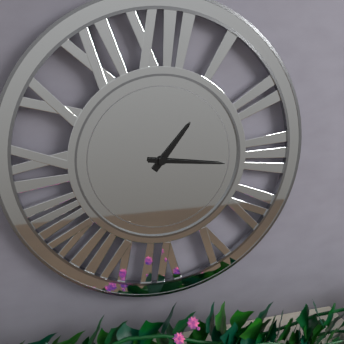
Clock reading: 1h16
